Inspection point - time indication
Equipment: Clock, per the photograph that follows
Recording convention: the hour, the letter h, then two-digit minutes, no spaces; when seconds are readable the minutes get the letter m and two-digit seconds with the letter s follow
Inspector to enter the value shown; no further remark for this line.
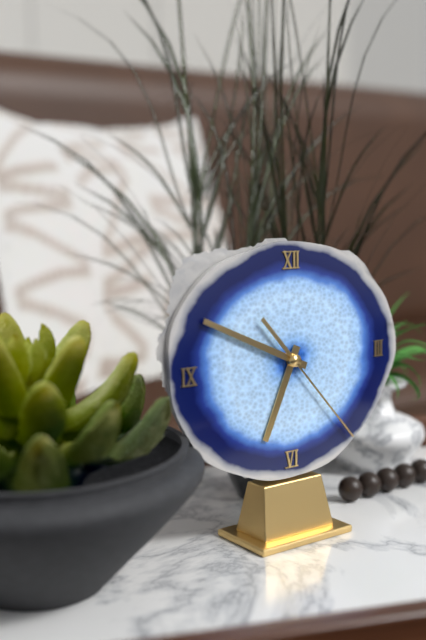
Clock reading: 6h49m23s
